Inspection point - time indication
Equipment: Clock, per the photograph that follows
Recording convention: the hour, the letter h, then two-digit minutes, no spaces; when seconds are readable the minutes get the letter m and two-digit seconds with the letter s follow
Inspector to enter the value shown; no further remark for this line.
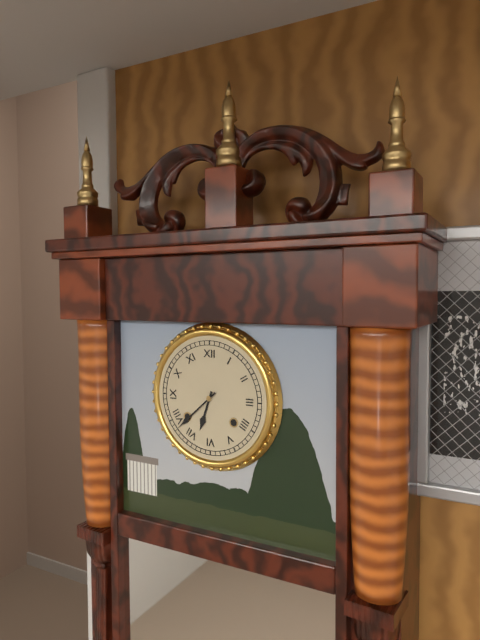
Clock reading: 6h38
